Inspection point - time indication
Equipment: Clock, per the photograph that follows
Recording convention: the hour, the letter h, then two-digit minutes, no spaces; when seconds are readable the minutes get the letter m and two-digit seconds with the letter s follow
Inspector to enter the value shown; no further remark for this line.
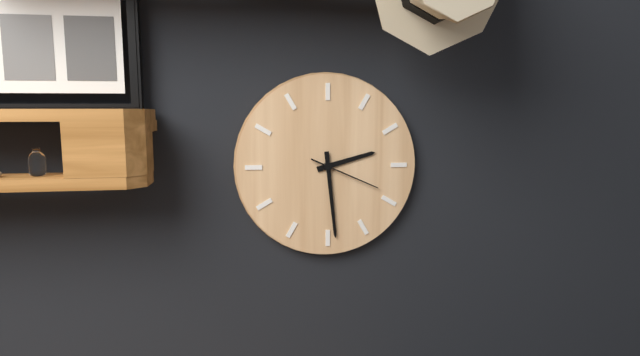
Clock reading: 2h29m19s
